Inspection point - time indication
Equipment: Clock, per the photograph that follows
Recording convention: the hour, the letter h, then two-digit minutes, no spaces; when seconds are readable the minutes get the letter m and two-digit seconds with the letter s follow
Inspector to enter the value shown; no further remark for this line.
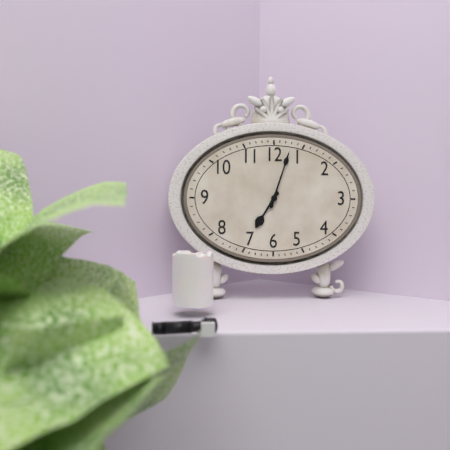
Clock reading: 7h03
